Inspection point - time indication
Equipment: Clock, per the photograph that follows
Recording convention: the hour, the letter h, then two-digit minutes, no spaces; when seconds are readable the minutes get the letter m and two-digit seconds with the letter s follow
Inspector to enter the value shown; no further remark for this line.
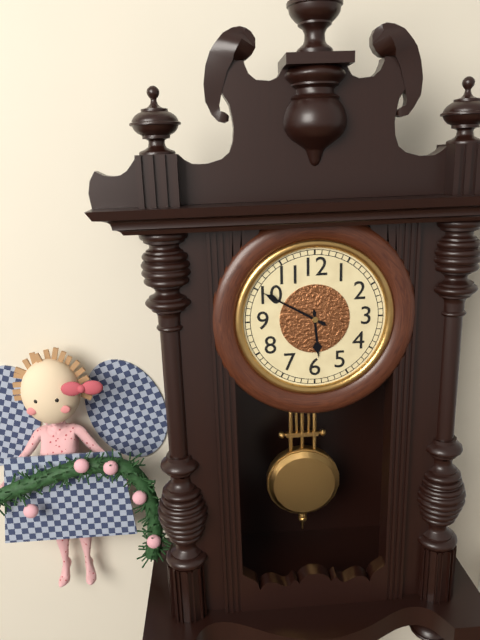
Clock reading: 5h50
